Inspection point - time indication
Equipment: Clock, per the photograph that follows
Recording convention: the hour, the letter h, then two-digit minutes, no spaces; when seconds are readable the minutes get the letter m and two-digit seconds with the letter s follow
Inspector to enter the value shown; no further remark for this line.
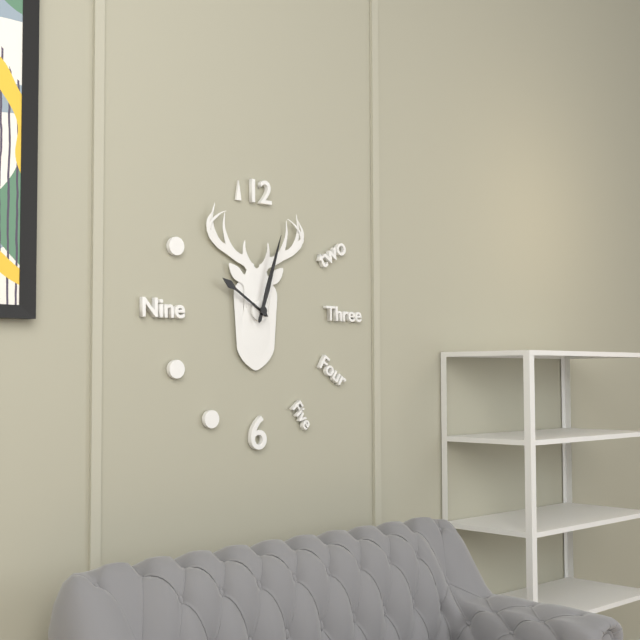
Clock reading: 10h03
